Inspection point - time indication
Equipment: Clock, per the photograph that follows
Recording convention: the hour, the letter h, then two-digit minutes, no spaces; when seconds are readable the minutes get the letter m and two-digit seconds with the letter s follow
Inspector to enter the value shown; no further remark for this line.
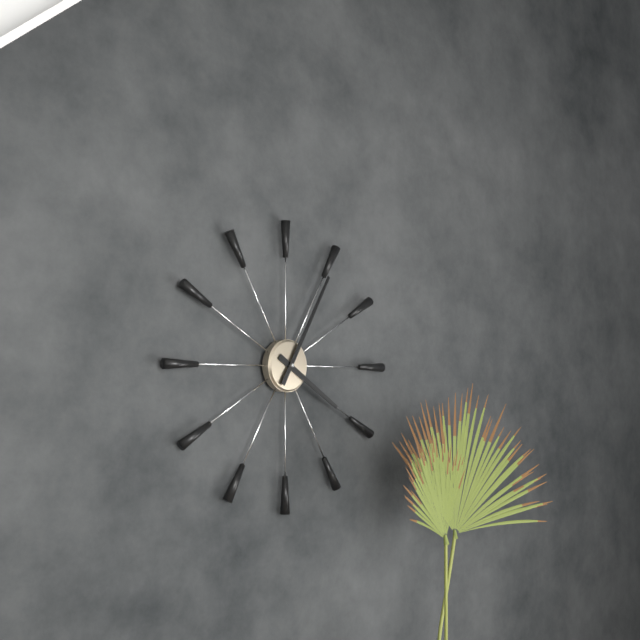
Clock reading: 4h05
